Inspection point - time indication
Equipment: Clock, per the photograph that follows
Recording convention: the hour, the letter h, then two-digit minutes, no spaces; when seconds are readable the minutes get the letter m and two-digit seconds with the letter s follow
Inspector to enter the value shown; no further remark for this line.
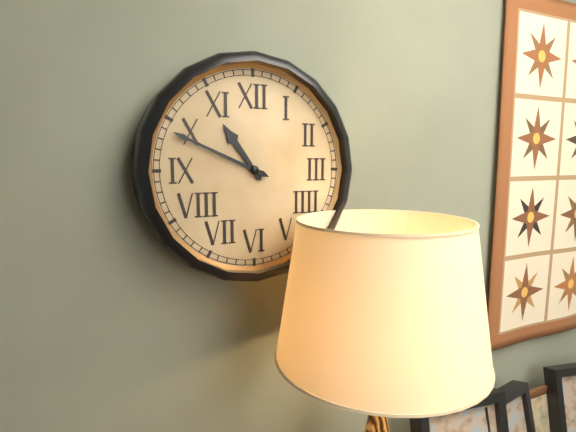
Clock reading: 10h49
